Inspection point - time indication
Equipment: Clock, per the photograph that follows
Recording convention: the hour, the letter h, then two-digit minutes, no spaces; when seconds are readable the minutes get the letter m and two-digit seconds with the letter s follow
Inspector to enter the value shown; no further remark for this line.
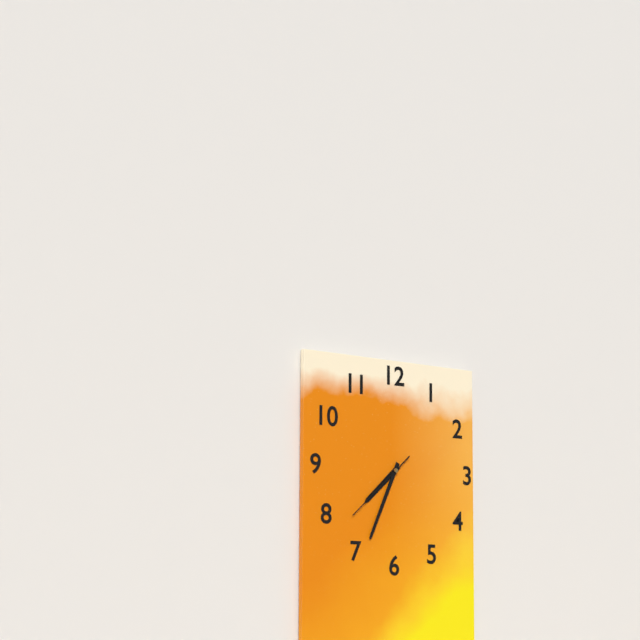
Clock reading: 7h34m38s
